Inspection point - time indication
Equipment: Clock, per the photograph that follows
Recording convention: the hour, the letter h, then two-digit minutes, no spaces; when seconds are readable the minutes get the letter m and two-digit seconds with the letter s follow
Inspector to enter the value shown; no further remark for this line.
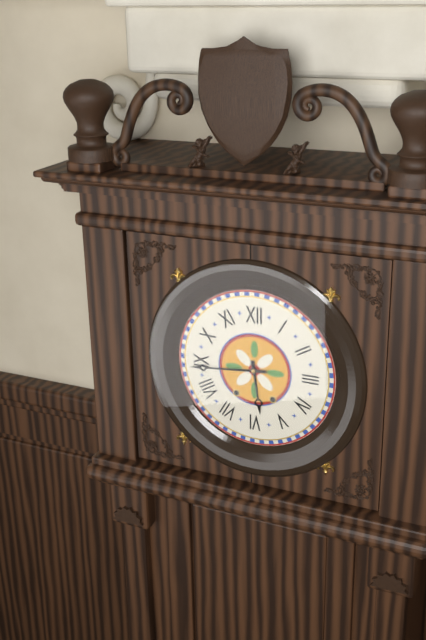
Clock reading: 5h44
